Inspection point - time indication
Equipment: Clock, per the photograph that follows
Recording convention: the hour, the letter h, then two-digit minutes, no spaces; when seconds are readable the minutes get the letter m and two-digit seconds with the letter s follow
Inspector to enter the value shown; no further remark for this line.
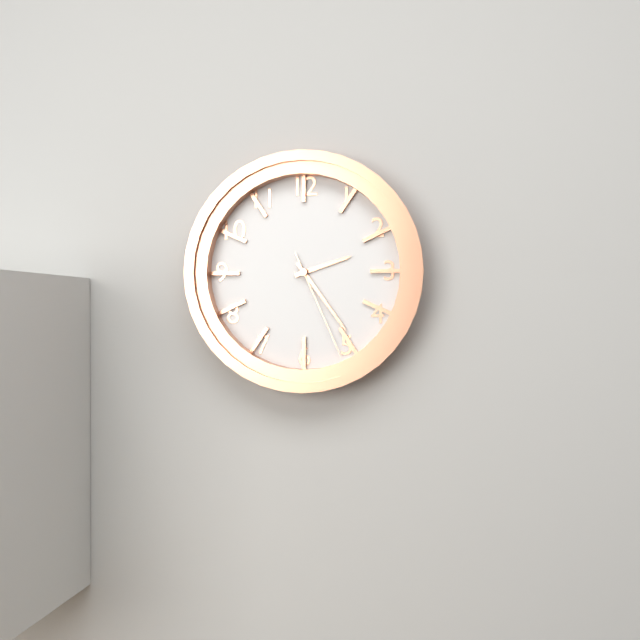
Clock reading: 2h24m26s
